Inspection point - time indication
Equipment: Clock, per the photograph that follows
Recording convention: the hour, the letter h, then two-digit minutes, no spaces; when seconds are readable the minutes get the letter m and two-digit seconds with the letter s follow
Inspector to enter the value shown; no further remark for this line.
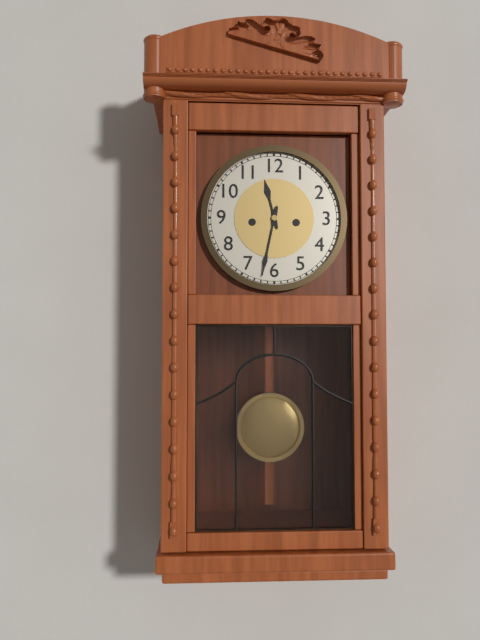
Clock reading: 11h32
